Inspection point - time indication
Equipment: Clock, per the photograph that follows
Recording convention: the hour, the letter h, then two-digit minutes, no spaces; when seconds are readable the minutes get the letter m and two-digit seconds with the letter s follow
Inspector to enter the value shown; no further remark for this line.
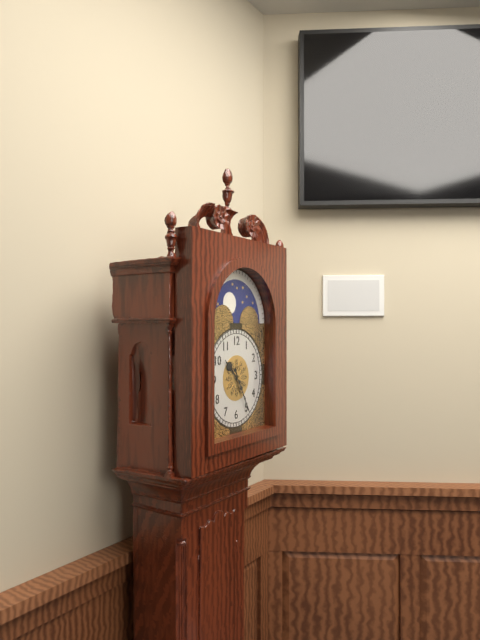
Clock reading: 10h25
